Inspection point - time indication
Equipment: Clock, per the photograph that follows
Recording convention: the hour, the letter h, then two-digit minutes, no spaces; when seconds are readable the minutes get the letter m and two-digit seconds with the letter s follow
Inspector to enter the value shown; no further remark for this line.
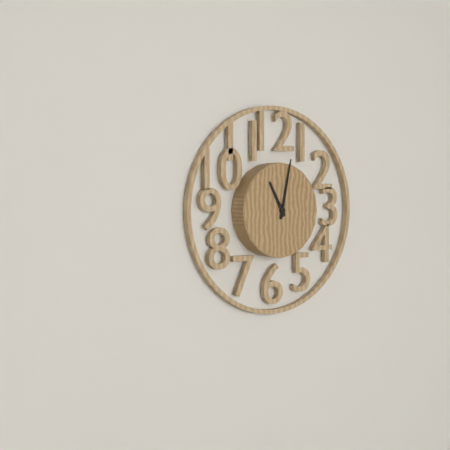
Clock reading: 11h02
